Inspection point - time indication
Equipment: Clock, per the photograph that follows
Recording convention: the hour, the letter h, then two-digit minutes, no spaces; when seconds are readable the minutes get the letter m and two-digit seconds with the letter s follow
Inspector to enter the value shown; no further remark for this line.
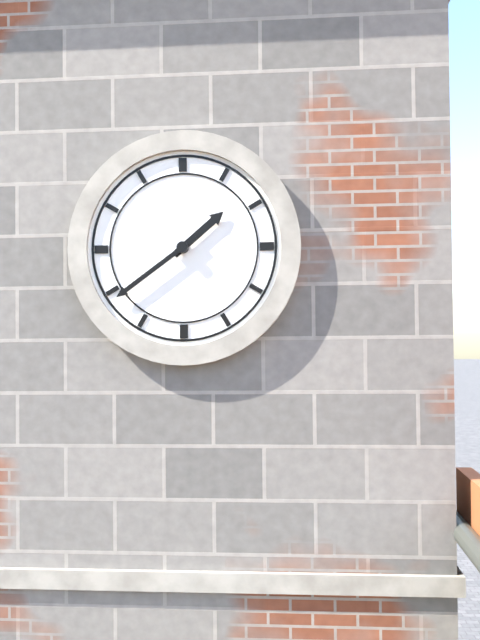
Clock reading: 1h39
